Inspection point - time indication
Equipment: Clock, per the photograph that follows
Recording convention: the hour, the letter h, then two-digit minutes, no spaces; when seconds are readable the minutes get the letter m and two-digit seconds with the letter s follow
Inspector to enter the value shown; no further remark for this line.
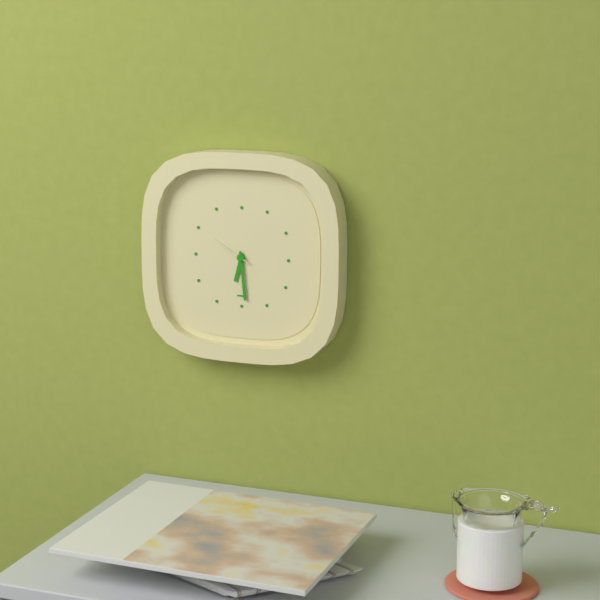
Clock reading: 6h29
